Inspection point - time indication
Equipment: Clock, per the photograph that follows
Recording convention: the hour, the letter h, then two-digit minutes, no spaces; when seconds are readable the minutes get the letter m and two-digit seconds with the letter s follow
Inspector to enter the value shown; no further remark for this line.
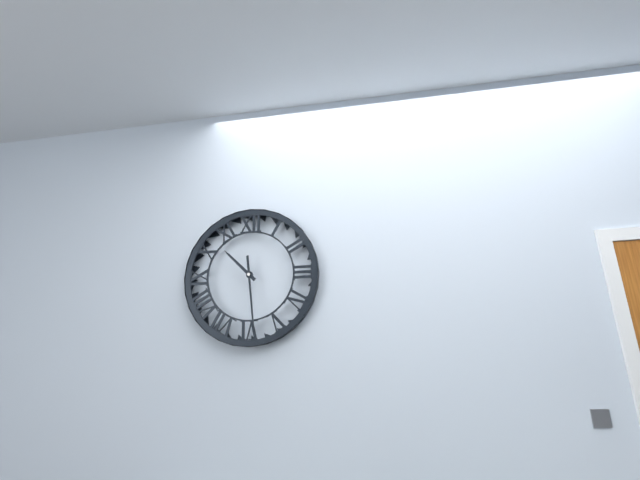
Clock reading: 10h29
